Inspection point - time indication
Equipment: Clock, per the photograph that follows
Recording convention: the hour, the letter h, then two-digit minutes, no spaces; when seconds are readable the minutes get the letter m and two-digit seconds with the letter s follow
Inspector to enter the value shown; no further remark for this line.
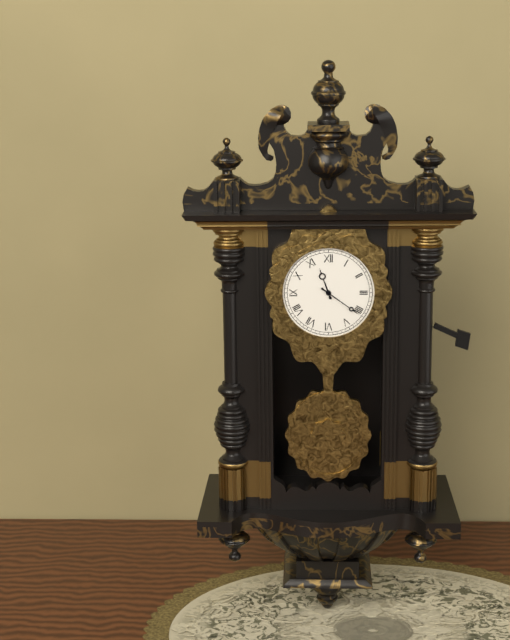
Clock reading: 11h21
